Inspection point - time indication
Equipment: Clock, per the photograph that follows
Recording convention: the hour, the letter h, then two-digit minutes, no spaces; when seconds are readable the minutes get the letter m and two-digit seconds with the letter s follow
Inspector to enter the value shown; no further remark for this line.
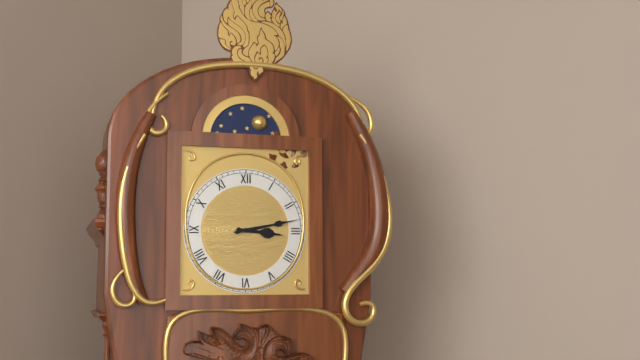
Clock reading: 3h13
